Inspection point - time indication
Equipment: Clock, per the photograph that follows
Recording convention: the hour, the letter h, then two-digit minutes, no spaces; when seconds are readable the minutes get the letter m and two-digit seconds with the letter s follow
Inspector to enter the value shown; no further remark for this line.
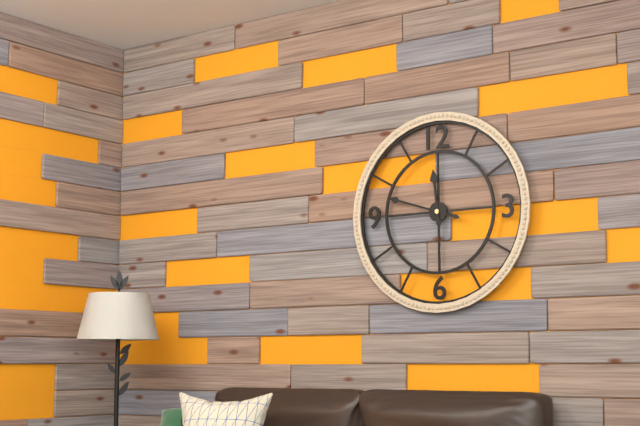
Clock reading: 11h48
